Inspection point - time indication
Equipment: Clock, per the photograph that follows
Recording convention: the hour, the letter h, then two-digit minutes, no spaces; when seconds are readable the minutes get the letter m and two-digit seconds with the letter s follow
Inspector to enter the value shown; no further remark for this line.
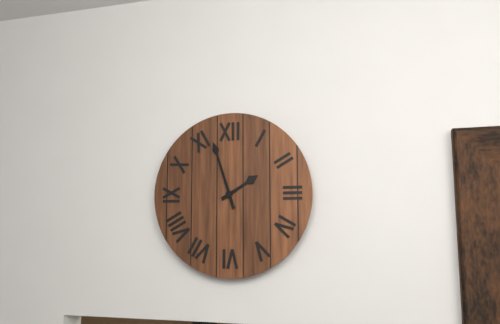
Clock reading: 1h57
